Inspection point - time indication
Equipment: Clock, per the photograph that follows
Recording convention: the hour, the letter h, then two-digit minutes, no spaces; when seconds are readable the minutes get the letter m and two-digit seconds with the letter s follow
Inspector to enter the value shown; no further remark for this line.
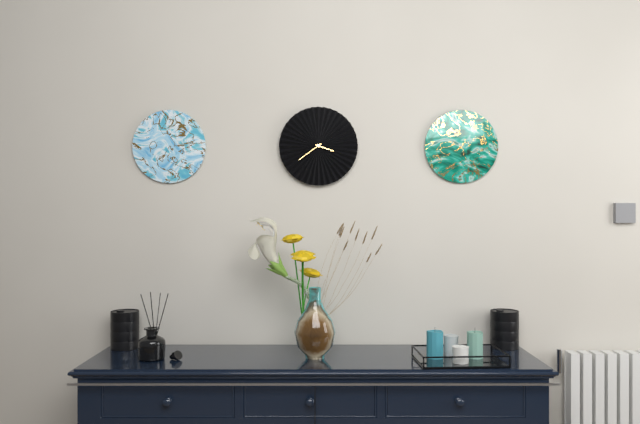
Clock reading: 3h39
